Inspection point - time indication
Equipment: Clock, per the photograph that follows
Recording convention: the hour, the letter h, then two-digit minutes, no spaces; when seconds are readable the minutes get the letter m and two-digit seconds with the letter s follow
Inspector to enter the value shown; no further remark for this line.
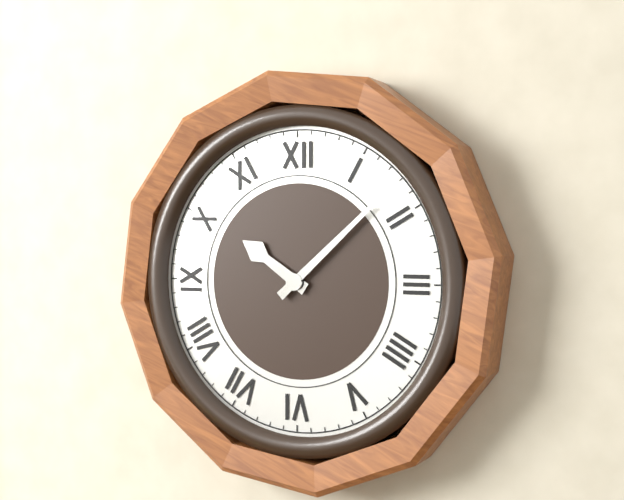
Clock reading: 10h08
